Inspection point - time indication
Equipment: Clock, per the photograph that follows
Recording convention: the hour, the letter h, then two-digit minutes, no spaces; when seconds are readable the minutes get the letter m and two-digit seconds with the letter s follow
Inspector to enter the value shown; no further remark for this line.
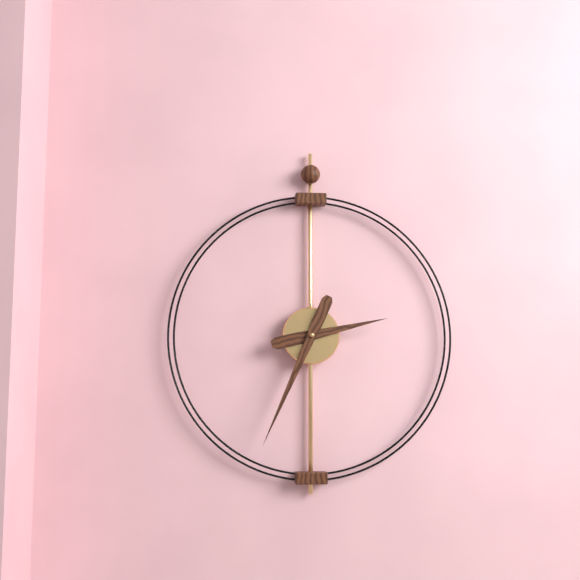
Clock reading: 2h34
